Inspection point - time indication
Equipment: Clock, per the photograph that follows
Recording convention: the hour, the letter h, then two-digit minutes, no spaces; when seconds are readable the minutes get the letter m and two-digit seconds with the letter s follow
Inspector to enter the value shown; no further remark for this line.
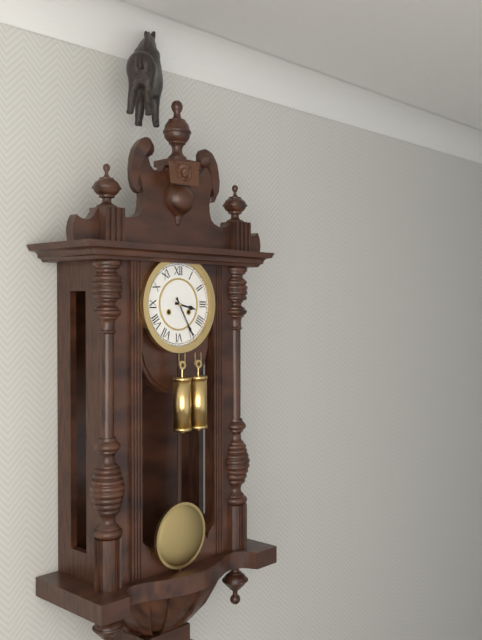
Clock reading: 3h25
